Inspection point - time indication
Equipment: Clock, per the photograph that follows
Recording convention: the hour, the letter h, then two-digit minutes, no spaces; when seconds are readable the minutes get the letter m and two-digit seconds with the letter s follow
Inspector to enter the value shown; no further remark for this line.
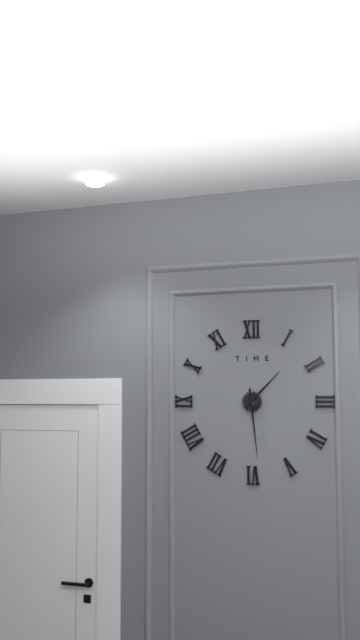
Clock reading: 1h29
